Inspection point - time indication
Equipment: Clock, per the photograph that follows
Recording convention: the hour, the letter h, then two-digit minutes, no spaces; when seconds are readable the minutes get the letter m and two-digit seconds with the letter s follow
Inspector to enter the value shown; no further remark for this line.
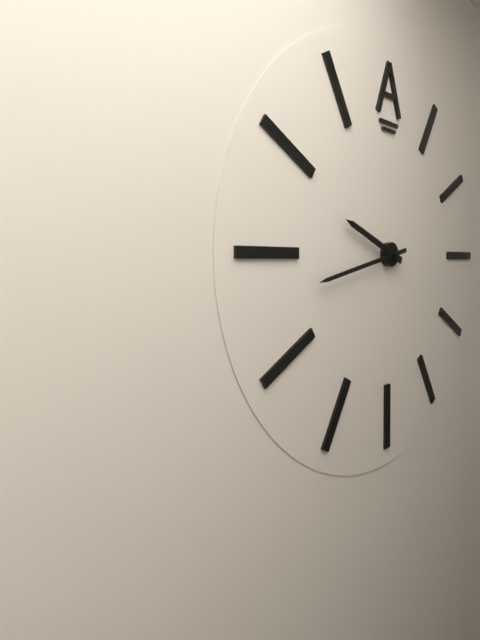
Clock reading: 9h43
